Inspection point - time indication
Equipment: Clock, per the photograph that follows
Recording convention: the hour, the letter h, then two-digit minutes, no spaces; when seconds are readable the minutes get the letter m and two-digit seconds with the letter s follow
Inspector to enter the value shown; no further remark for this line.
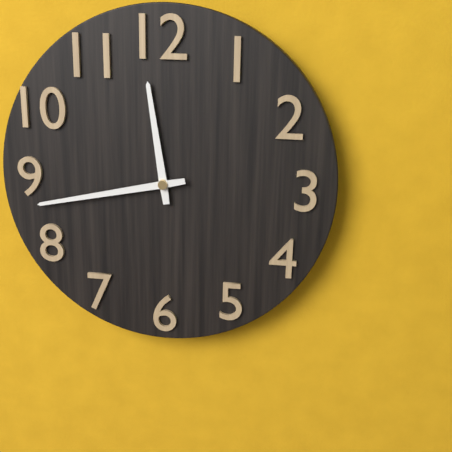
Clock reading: 11h43
